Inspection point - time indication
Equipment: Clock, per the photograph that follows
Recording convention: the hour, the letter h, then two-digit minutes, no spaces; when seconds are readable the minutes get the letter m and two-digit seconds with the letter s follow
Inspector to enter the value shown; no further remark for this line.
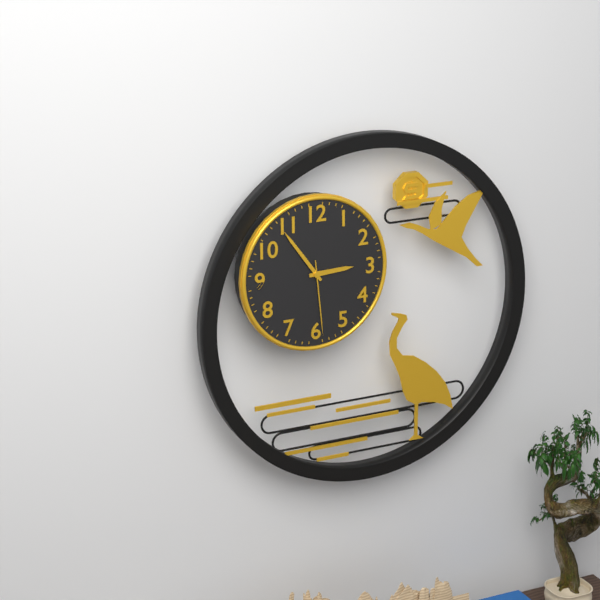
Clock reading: 2h54m29s
